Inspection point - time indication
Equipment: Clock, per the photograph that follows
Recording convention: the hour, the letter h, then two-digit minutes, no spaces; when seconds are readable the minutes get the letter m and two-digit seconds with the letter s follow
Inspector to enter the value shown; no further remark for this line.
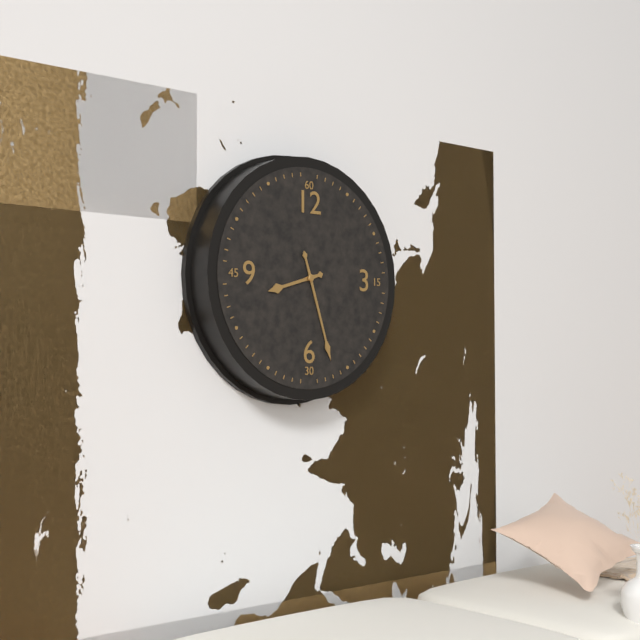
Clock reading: 8h27
